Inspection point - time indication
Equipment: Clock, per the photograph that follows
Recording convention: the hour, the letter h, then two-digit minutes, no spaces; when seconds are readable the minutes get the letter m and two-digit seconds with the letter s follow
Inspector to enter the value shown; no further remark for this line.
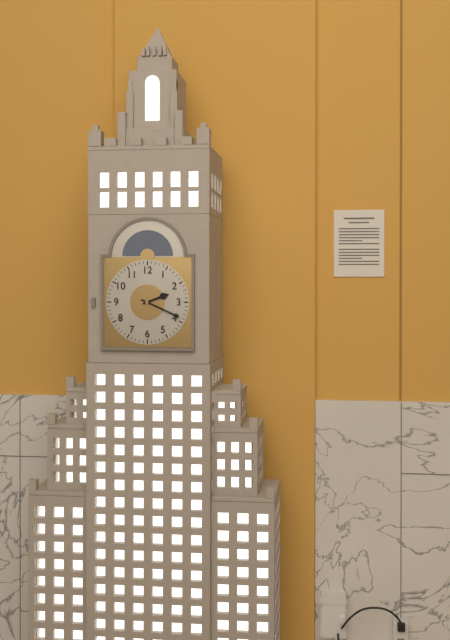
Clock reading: 2h19
